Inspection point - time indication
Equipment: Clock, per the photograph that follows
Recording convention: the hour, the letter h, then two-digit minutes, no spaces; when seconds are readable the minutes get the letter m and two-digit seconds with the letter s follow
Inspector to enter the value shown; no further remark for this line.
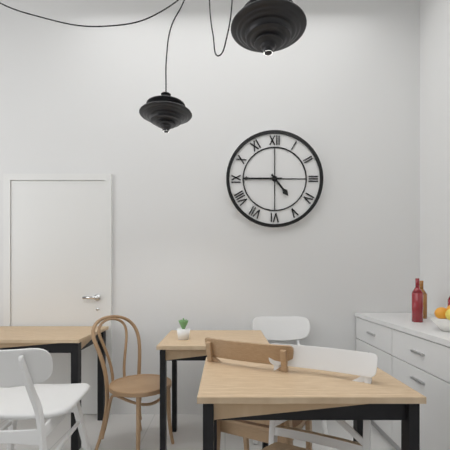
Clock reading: 4h45
